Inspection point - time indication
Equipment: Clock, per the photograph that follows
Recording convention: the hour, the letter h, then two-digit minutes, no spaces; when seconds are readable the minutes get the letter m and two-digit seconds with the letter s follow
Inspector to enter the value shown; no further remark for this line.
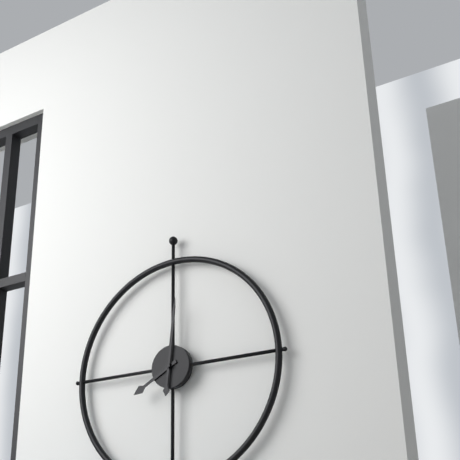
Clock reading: 8h01
